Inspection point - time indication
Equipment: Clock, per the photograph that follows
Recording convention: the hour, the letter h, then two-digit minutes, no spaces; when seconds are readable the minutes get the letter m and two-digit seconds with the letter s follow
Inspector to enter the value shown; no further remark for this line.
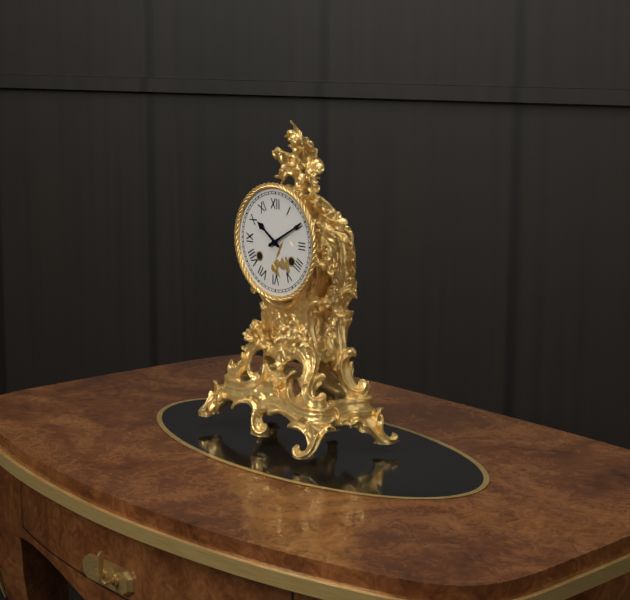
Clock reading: 10h10
